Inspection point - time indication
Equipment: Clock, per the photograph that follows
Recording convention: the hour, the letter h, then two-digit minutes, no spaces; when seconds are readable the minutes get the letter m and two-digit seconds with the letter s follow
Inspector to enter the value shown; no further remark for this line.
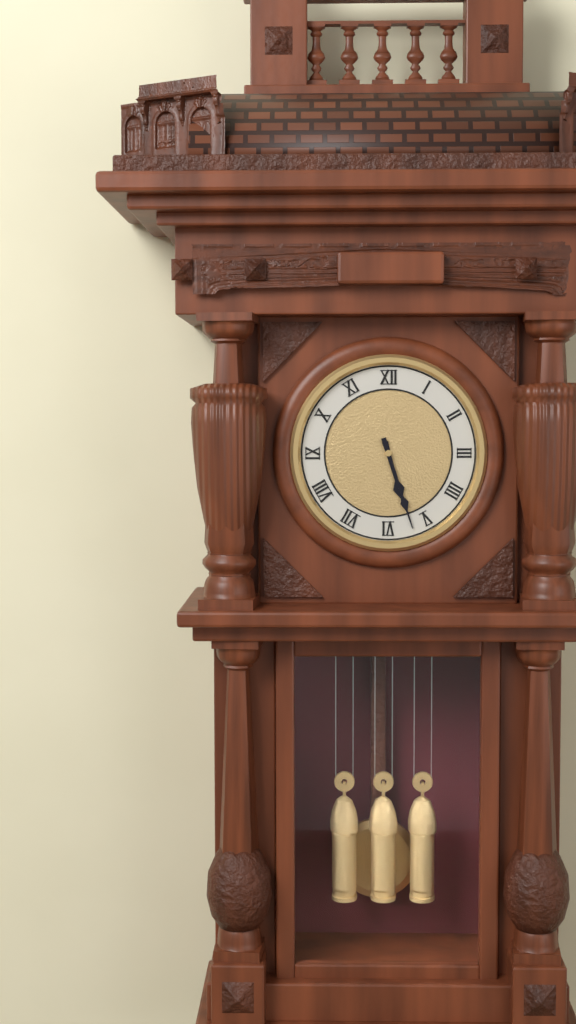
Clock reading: 5h27
